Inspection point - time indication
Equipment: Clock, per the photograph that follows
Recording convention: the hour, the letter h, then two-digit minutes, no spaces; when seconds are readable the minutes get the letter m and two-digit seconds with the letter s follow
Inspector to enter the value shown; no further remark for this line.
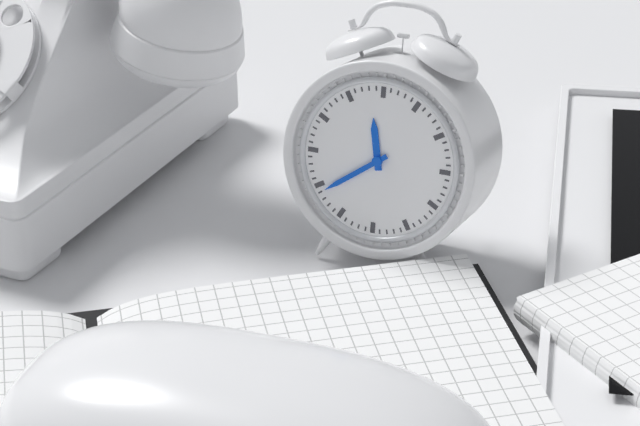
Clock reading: 11h39
